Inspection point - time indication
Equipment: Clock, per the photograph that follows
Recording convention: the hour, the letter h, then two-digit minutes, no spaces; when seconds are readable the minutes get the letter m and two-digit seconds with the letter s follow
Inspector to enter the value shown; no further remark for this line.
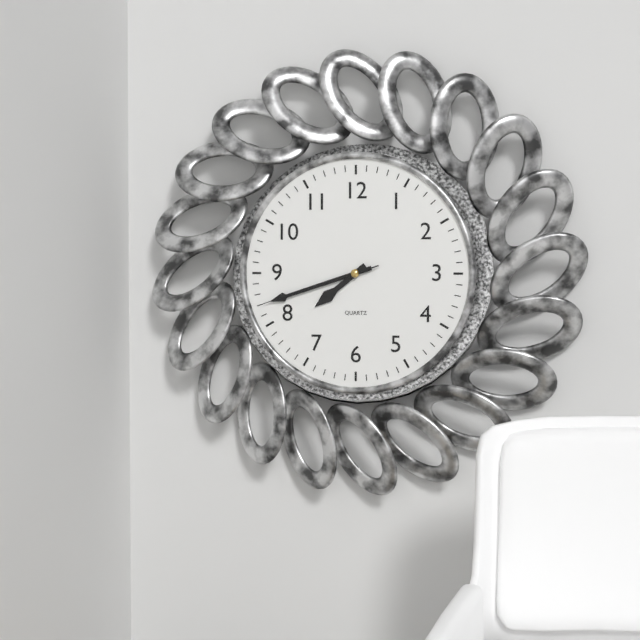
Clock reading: 7h42m42s
